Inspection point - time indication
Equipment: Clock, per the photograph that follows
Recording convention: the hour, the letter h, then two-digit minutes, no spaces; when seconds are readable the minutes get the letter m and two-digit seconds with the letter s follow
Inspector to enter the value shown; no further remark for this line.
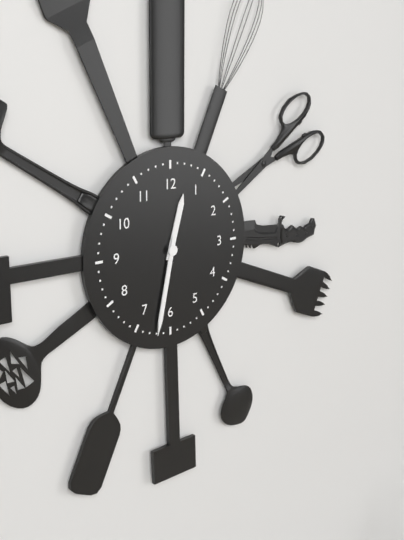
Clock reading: 12h32
